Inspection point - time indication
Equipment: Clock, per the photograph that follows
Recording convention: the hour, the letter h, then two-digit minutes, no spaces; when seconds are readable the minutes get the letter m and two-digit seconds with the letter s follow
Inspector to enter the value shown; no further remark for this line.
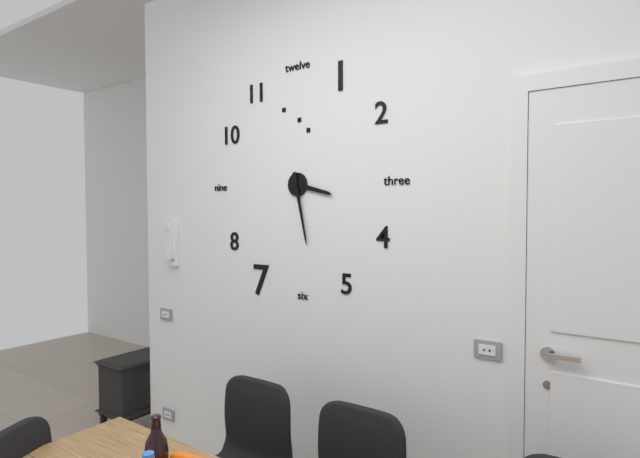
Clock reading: 3h28
